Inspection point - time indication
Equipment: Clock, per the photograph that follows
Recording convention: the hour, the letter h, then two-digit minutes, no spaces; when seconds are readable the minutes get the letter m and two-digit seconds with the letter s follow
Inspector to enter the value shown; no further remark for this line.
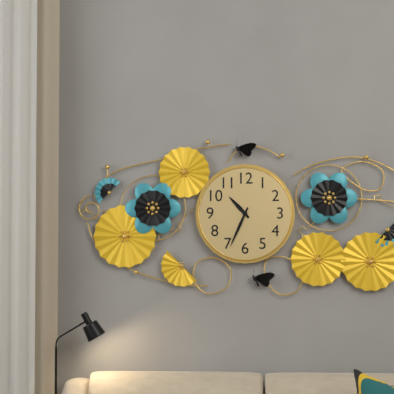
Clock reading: 10h34
